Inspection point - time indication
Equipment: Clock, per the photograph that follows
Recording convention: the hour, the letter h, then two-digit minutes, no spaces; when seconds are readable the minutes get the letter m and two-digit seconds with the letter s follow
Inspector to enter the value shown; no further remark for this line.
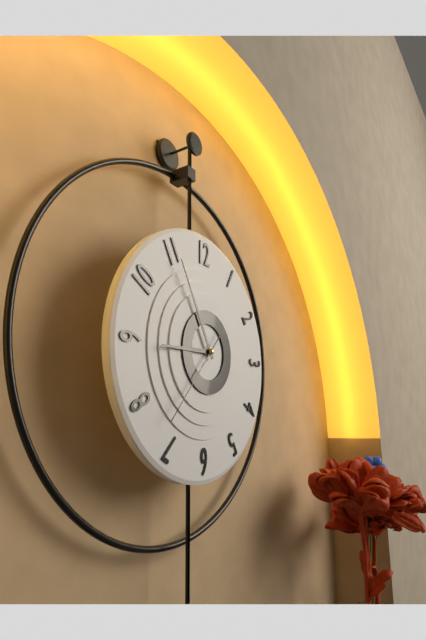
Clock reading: 8h55m37s
